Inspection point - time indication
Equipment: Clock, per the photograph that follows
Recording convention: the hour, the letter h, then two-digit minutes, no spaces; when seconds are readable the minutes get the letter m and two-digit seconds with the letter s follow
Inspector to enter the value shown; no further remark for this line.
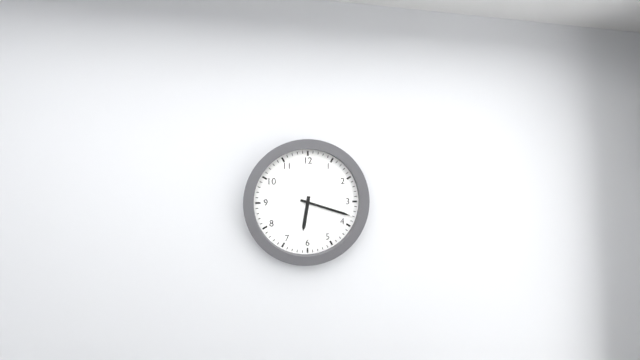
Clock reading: 6h18
